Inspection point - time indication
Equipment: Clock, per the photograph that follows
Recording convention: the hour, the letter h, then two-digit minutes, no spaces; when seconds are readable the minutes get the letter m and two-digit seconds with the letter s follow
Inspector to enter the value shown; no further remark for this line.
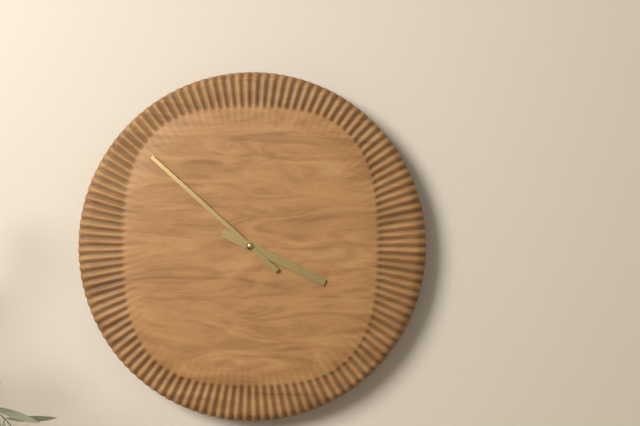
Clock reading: 3h52
